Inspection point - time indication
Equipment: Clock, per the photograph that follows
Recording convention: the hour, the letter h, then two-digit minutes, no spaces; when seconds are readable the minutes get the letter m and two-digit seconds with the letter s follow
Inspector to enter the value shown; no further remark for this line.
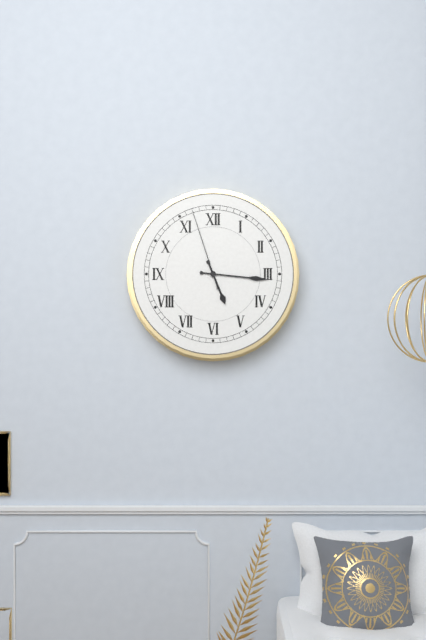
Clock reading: 5h16m57s
